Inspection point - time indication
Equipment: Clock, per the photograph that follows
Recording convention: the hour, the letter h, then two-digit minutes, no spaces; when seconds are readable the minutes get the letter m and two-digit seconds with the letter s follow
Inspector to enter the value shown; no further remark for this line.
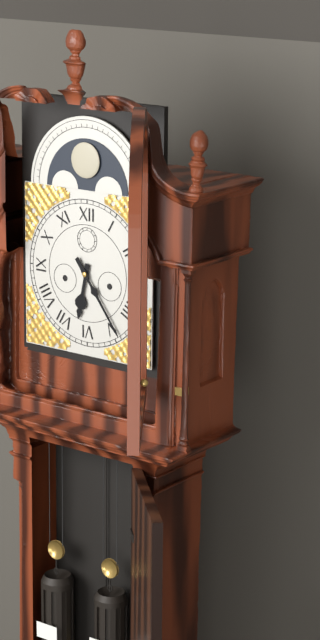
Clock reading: 6h24
